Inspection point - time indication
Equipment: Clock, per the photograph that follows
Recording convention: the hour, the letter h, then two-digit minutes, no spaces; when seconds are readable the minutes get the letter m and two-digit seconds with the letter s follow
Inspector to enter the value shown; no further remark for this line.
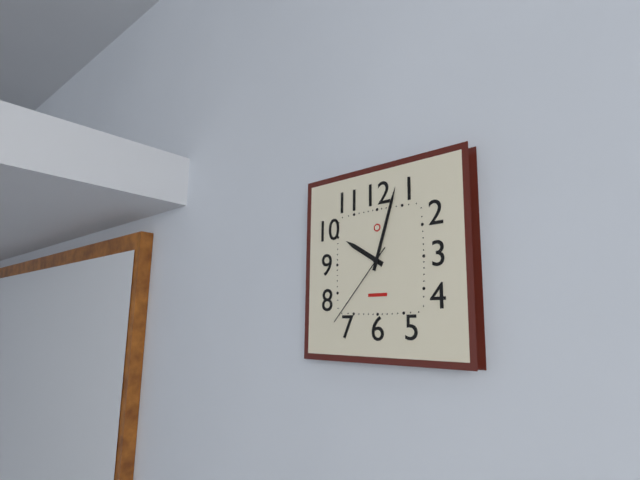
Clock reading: 10h03m37s
